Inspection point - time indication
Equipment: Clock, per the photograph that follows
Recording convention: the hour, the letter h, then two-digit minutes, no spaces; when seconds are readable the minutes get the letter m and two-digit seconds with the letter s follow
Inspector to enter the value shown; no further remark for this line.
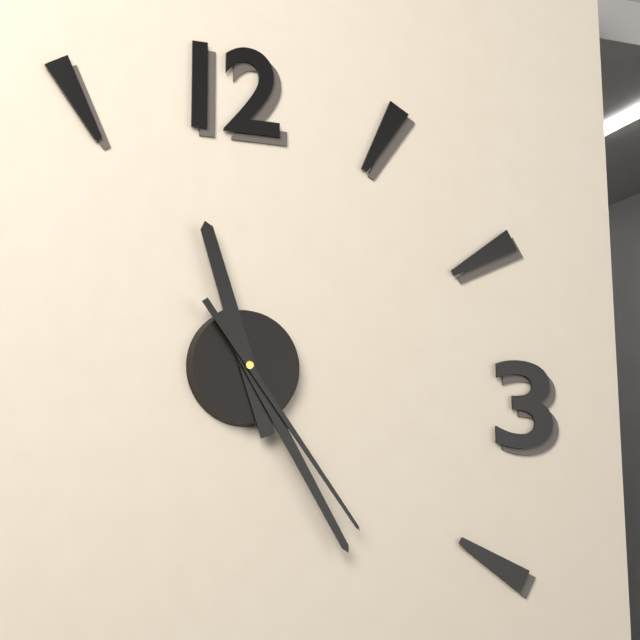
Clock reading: 11h25m24s
